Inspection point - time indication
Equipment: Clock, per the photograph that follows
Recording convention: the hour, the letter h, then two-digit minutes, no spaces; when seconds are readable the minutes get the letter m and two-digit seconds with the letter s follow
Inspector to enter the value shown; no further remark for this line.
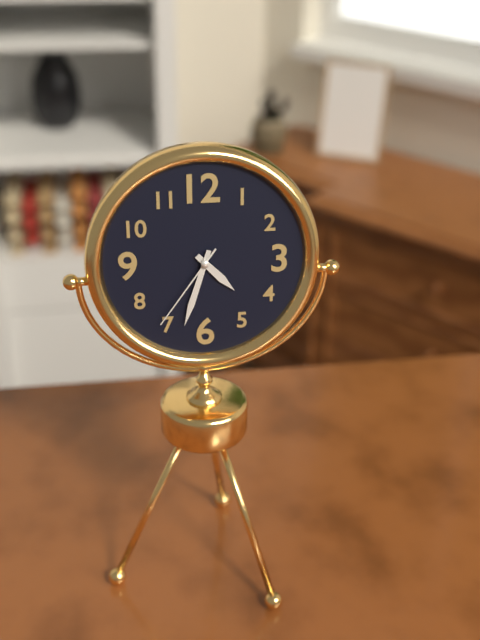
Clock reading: 4h33m36s
